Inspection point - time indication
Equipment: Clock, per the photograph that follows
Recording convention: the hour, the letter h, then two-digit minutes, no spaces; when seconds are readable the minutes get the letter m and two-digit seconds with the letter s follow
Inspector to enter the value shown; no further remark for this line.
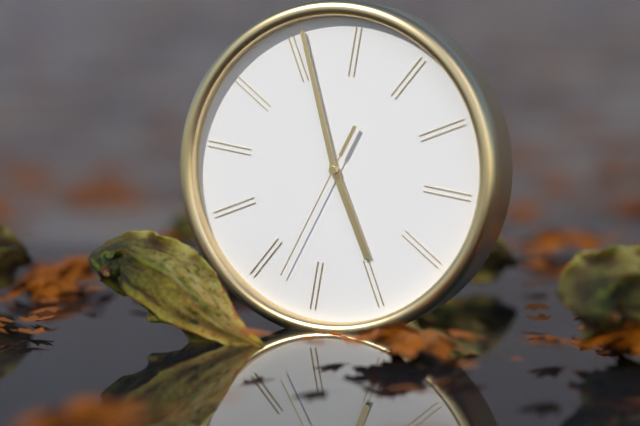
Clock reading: 4h56m33s
